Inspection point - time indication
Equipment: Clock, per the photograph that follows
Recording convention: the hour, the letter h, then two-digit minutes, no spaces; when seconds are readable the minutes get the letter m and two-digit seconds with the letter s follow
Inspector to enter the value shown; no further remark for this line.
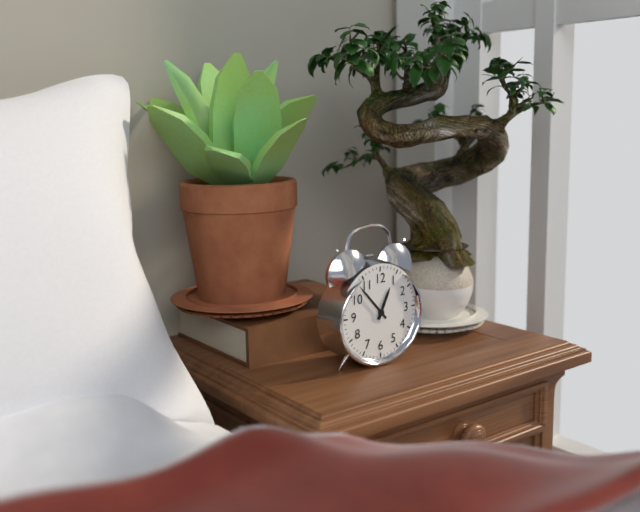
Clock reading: 12h53
